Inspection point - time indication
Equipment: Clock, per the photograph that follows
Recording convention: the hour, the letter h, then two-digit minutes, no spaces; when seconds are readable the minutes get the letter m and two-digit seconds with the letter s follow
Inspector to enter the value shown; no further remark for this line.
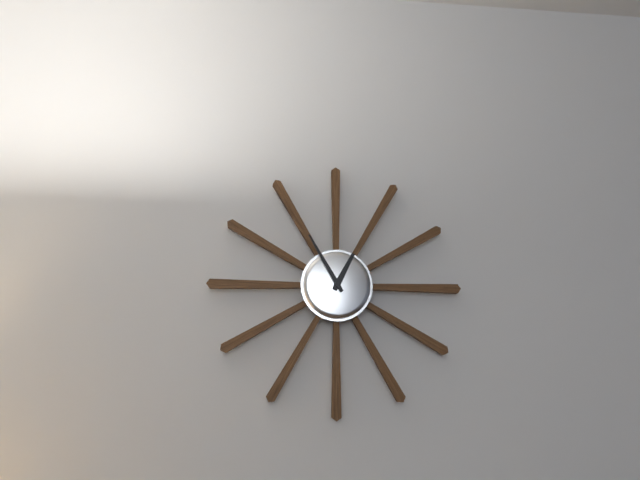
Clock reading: 12h55
